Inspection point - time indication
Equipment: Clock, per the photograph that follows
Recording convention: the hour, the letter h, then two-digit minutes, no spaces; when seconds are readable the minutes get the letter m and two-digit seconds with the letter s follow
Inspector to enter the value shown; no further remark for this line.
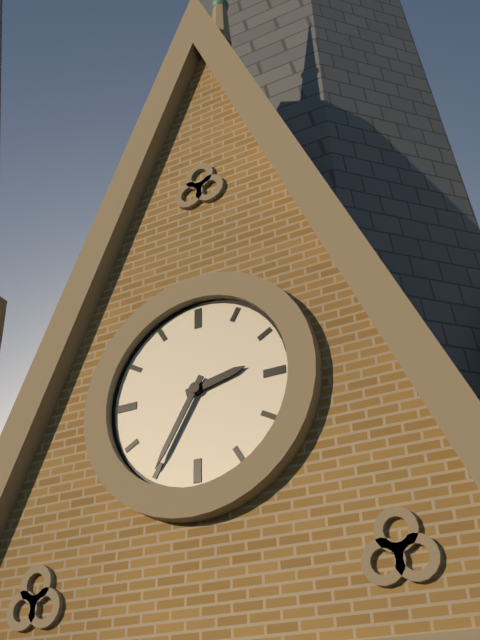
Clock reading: 2h35
